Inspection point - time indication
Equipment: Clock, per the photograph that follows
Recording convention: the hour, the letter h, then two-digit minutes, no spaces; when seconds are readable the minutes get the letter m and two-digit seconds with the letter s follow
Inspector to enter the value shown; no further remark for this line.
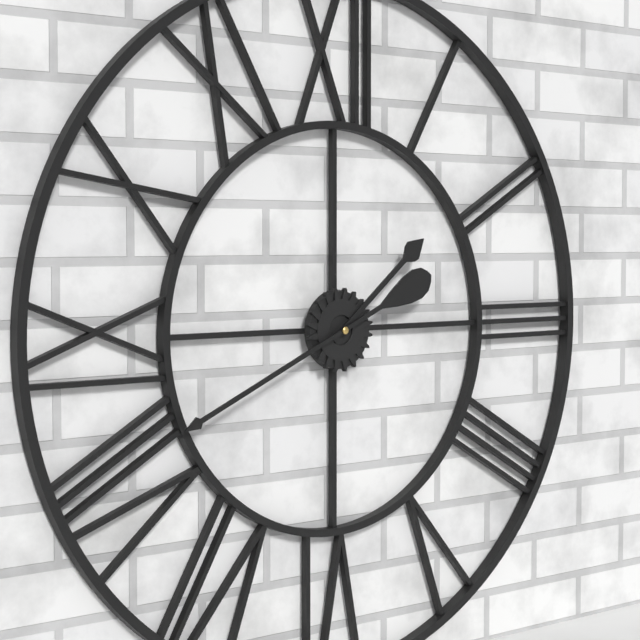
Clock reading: 1h41
